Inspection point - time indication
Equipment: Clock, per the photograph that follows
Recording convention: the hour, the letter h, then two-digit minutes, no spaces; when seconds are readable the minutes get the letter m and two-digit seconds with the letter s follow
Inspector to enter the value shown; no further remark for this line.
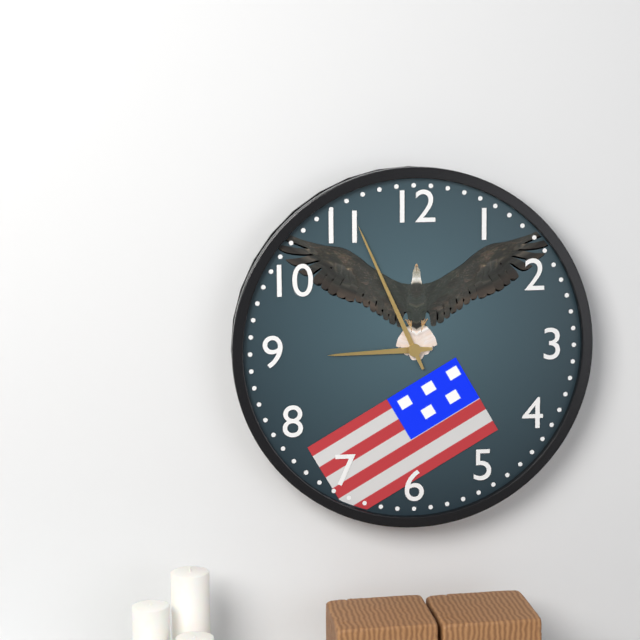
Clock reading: 8h56
